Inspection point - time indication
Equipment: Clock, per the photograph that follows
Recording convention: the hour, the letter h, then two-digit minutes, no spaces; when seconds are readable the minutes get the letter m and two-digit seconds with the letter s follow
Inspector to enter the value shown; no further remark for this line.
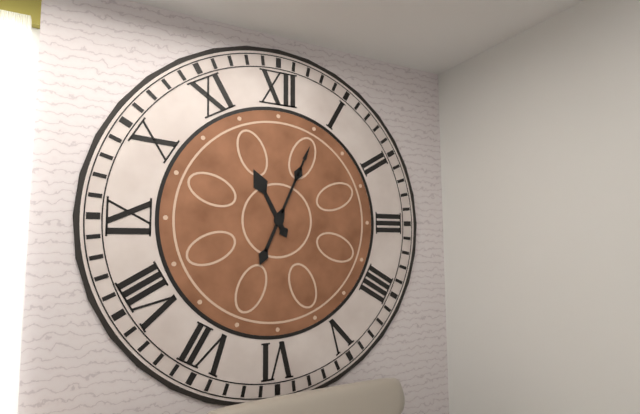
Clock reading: 11h04
